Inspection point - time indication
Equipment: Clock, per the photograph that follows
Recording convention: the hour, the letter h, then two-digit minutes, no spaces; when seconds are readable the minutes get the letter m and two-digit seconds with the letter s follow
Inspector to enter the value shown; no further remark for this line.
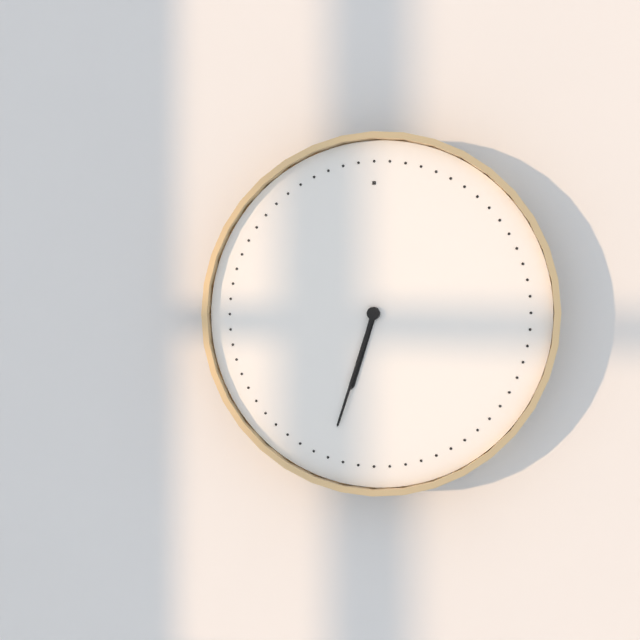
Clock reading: 6h33
